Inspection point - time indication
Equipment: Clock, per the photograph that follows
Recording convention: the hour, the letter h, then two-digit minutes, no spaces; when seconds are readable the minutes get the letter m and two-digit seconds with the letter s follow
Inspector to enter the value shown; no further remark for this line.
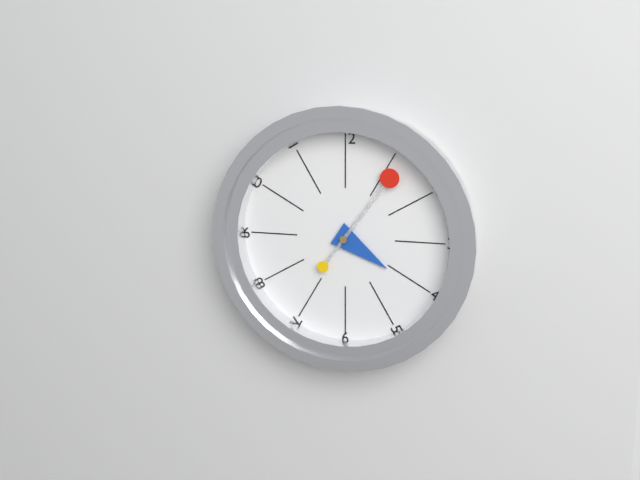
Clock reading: 4h06
